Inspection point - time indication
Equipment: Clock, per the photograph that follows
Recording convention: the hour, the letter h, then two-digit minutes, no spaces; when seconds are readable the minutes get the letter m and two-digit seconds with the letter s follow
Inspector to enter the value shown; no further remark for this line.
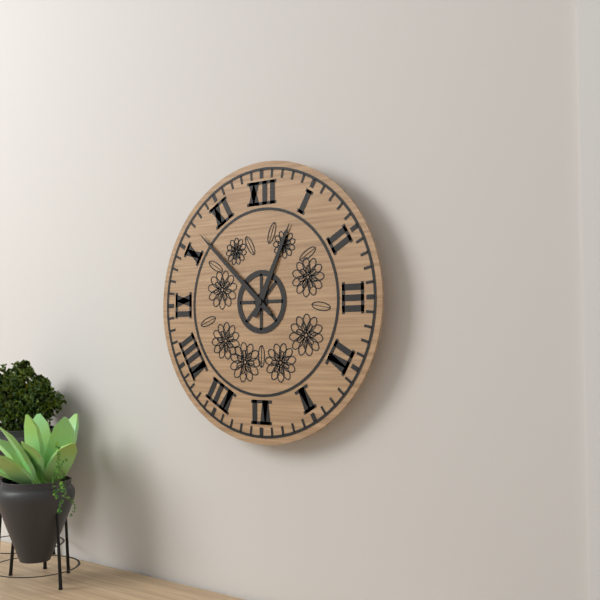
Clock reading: 12h52
